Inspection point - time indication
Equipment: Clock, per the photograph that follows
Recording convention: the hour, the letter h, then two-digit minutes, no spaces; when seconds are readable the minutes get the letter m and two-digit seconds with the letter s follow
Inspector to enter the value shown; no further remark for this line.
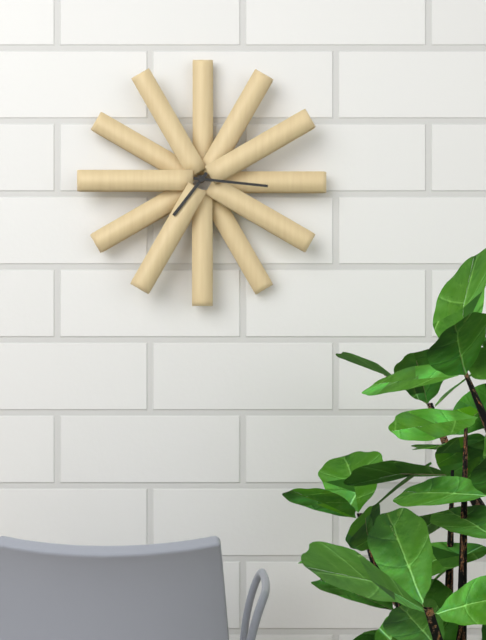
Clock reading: 7h16
